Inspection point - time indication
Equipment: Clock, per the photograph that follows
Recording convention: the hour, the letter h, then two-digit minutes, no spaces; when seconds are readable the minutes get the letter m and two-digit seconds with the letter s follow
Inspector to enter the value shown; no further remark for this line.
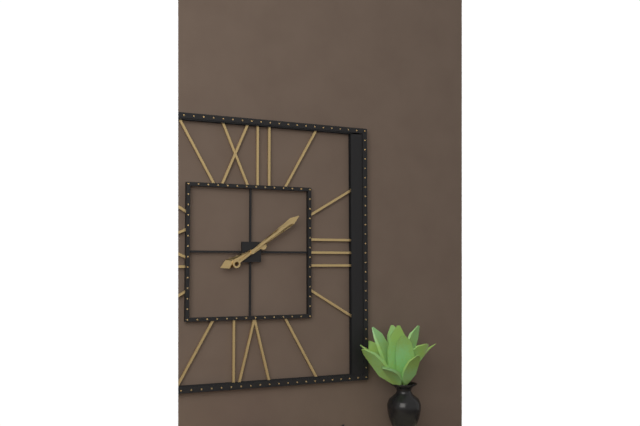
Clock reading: 8h09
